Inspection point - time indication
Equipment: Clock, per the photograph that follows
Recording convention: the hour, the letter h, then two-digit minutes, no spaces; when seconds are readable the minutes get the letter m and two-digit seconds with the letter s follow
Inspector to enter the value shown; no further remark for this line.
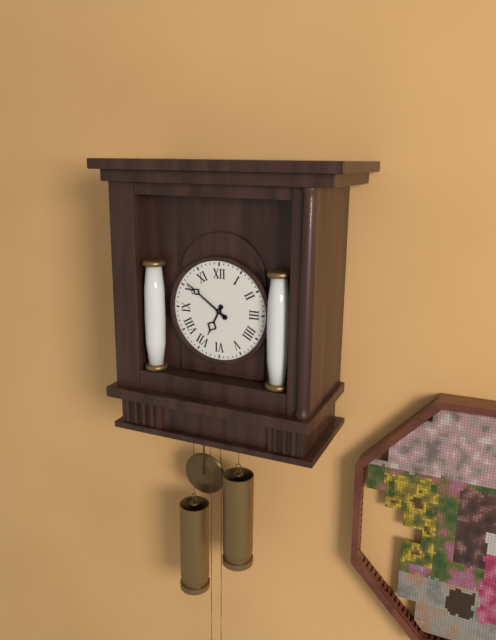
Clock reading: 6h51
